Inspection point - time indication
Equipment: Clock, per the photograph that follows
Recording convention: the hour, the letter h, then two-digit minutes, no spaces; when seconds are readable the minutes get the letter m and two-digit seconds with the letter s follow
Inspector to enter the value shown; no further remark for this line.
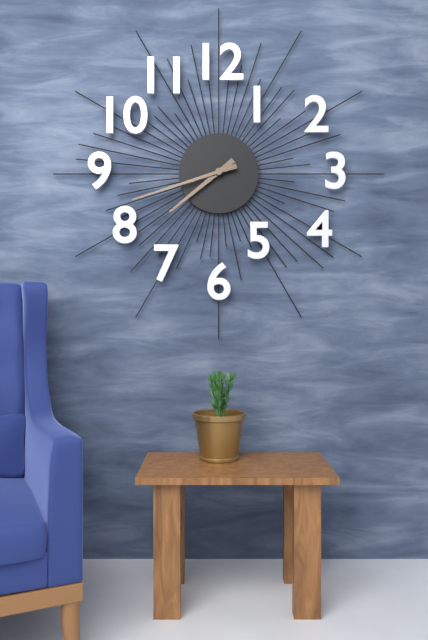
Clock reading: 7h42
